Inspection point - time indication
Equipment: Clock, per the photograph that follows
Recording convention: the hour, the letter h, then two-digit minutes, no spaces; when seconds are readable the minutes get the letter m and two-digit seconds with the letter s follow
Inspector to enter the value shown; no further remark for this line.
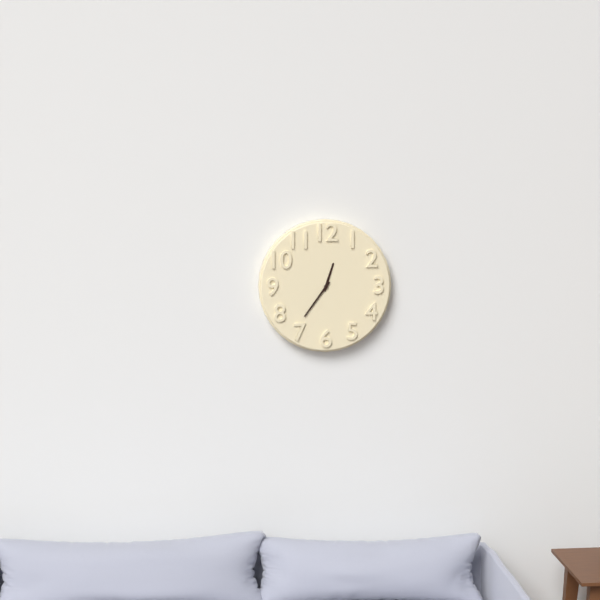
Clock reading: 12h36
